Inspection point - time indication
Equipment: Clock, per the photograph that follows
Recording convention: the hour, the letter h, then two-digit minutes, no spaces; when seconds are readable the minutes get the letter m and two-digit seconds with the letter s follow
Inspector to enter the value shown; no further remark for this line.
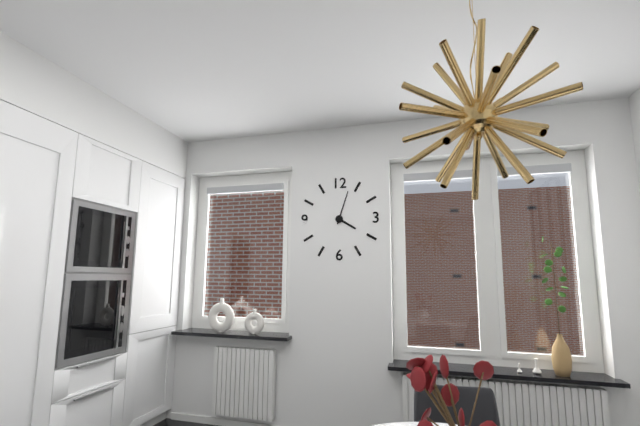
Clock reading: 4h03
